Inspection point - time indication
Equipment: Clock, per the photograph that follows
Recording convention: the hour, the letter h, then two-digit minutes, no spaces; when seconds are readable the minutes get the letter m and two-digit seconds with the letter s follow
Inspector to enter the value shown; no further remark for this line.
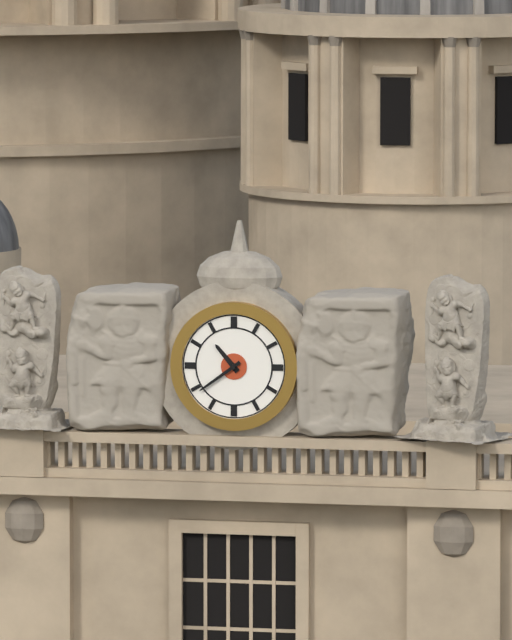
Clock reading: 10h39
